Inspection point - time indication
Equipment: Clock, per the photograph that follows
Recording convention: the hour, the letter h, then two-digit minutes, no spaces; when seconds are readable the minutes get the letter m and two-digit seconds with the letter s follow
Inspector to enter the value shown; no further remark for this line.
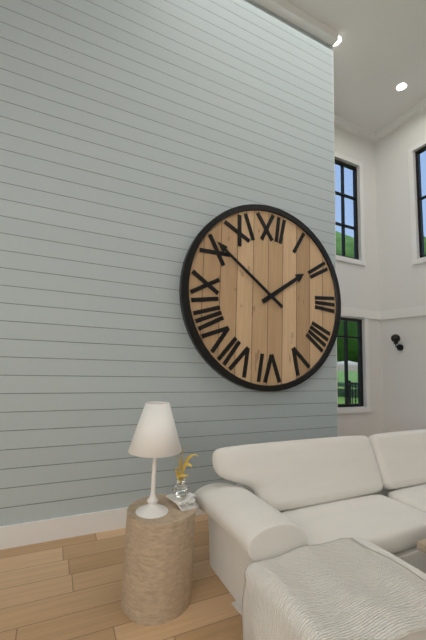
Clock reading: 1h51
